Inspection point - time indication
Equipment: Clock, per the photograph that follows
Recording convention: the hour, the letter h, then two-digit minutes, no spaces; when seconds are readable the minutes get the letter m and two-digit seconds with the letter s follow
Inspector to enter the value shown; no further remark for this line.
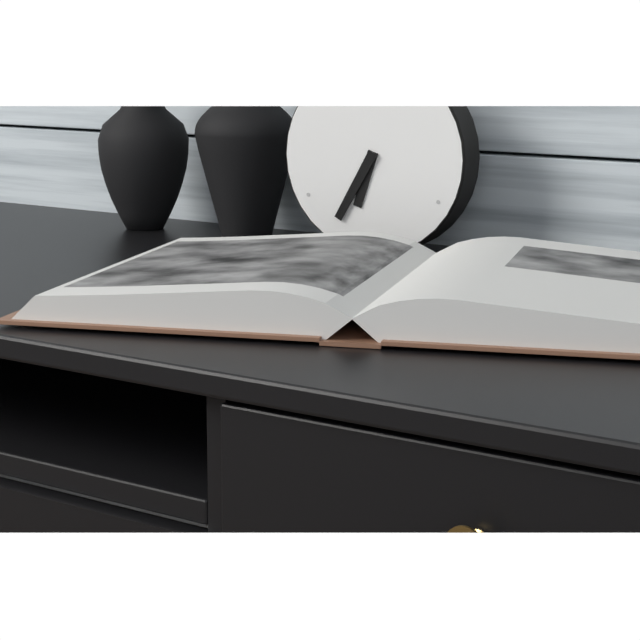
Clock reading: 6h35
